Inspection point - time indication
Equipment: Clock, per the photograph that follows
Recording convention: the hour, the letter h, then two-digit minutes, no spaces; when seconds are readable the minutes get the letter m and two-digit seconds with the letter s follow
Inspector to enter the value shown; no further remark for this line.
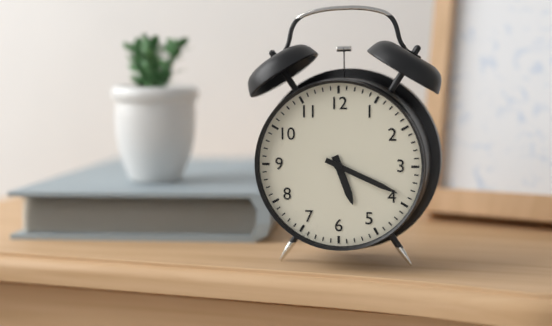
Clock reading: 5h19
